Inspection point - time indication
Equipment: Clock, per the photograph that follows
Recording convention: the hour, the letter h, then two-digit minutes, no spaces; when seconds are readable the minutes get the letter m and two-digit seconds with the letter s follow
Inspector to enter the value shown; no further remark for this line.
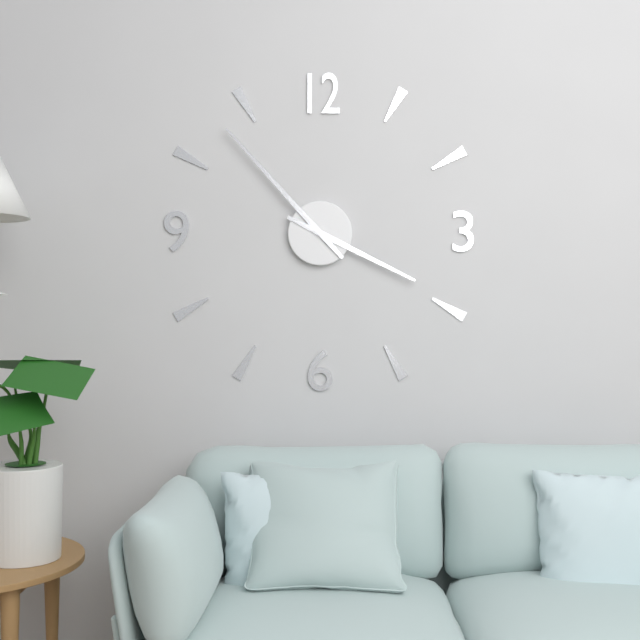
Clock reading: 3h53
